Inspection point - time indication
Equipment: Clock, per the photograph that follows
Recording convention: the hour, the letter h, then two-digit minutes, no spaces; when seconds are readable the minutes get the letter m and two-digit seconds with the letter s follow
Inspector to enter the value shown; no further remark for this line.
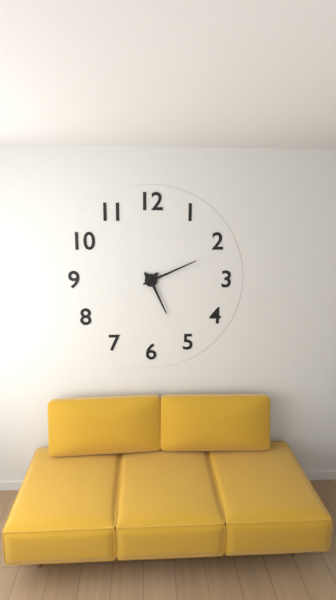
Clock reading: 5h11
